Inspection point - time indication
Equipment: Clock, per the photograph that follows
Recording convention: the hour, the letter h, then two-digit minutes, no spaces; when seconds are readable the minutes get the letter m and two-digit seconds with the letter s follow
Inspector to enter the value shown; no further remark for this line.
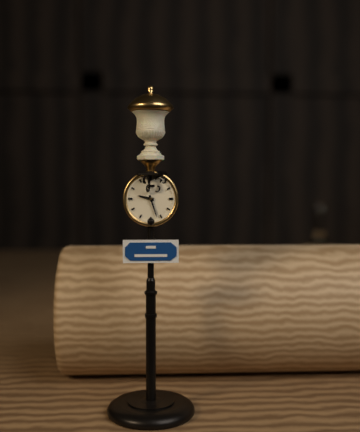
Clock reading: 9h27
